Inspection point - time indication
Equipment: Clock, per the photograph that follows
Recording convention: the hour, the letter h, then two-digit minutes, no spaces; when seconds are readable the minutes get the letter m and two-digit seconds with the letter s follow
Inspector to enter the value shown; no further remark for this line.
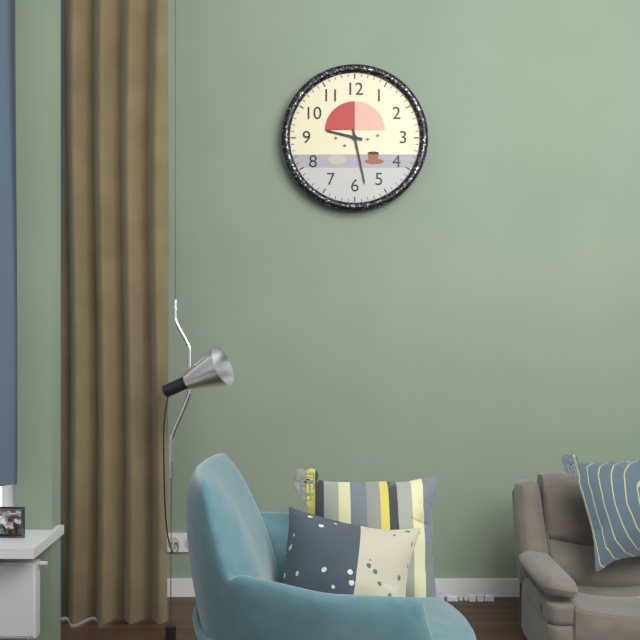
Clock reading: 9h28
